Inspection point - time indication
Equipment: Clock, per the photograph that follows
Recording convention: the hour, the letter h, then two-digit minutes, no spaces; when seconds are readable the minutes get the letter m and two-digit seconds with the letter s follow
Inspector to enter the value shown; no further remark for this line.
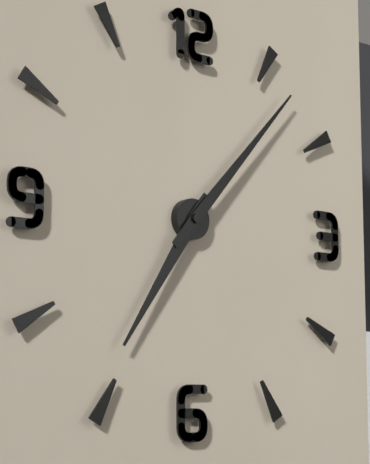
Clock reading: 7h07
